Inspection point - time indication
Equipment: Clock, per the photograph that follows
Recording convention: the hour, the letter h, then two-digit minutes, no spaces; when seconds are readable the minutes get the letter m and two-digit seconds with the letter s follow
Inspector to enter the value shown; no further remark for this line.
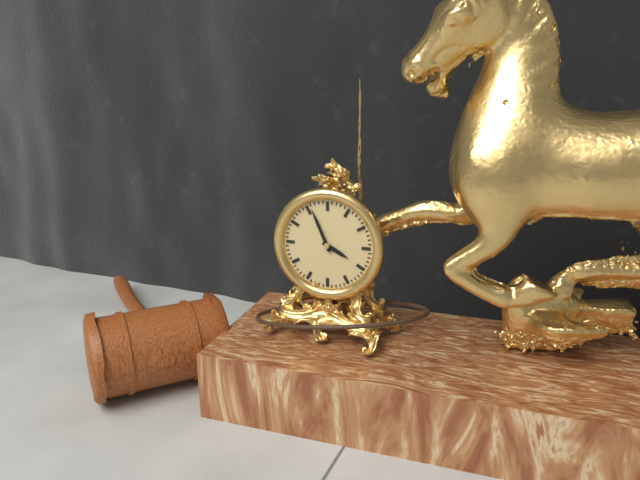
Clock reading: 3h56
